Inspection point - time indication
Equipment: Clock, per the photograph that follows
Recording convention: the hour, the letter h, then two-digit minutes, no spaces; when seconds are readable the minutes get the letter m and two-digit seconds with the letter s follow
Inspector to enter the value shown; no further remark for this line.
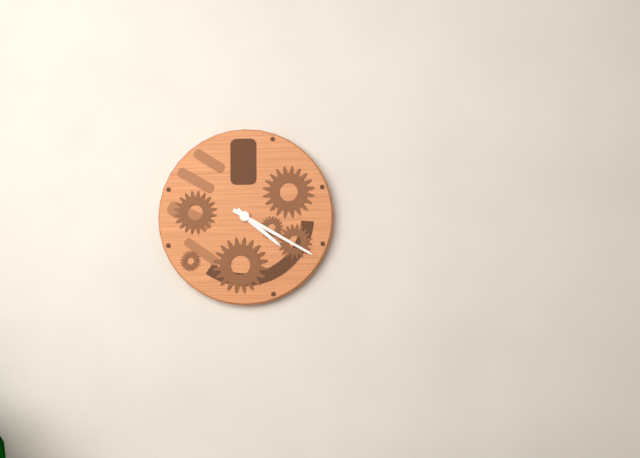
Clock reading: 4h20
